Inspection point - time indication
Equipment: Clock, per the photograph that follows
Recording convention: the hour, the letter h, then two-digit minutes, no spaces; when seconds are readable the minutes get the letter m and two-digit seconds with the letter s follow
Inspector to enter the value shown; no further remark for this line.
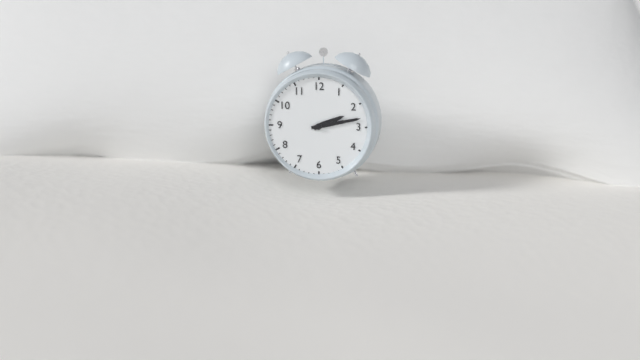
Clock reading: 2h13
